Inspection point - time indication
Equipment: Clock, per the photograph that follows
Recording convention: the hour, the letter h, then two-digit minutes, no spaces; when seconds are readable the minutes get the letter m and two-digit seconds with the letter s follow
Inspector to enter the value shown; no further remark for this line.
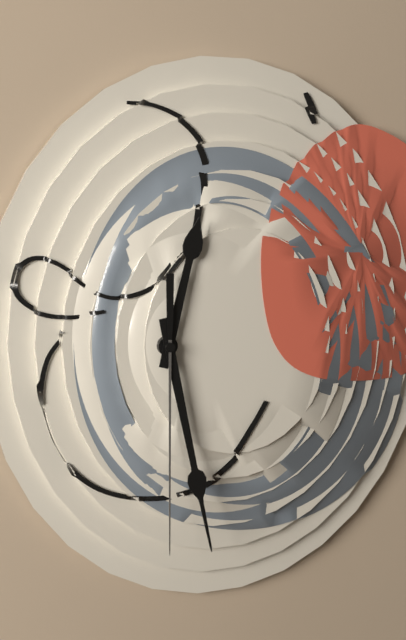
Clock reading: 12h28m30s
